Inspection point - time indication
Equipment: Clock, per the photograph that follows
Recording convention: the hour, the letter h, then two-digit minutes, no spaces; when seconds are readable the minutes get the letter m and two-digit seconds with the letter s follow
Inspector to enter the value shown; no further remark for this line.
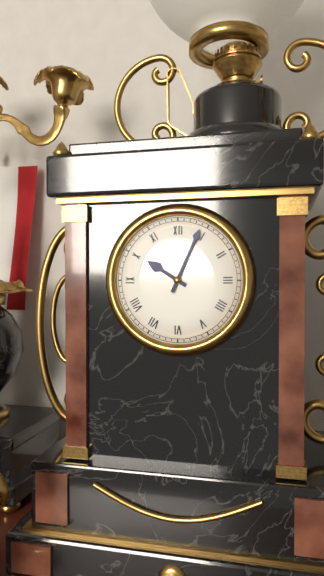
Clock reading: 10h04
